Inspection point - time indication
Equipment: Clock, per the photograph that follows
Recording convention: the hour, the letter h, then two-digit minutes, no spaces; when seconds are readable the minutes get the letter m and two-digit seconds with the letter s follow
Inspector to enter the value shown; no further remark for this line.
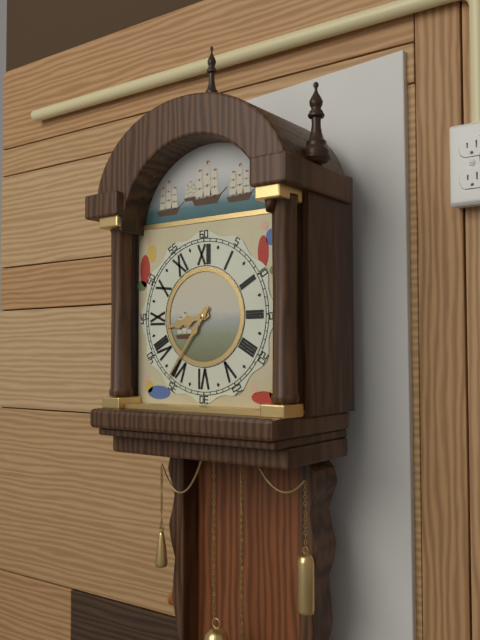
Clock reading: 8h36
